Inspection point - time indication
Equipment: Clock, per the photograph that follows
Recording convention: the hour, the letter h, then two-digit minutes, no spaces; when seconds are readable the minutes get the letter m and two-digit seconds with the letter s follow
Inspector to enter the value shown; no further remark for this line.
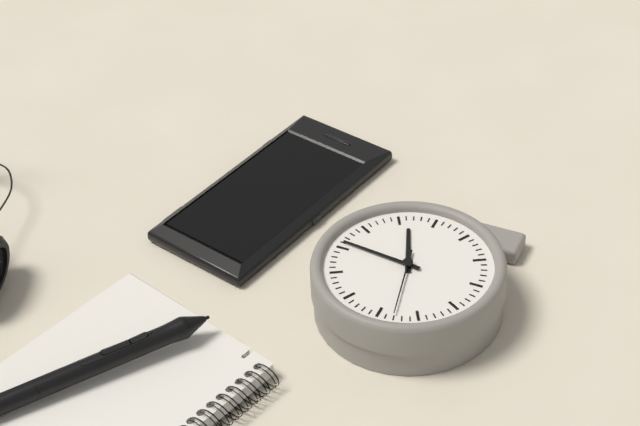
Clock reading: 5h16m58s
